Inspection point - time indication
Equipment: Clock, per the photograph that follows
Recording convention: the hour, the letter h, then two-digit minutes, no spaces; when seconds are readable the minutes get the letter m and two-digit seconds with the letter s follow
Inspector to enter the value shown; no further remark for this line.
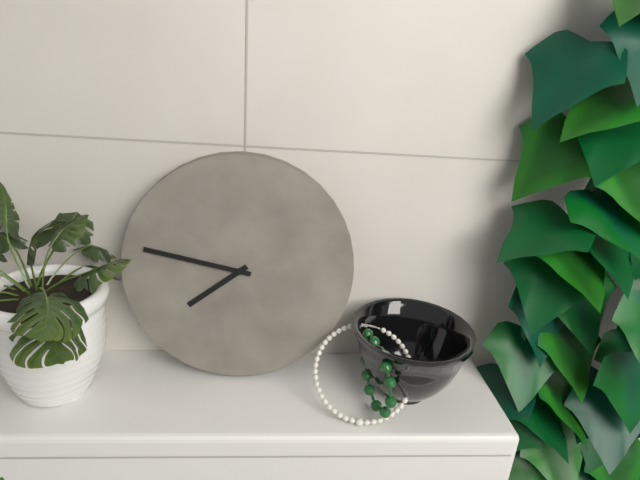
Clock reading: 7h47
